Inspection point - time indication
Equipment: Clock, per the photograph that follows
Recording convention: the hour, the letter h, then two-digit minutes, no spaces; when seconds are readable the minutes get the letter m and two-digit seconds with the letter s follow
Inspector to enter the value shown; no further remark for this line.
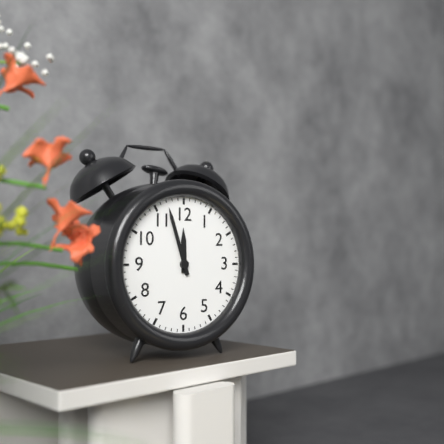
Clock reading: 11h57
